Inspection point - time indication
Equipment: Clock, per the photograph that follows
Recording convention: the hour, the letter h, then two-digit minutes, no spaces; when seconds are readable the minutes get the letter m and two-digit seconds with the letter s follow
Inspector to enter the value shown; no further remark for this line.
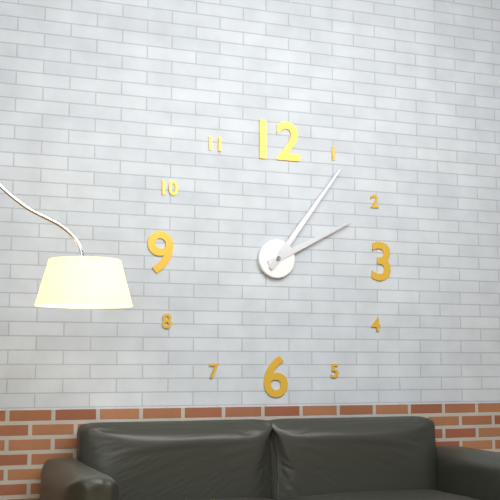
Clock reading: 2h06
